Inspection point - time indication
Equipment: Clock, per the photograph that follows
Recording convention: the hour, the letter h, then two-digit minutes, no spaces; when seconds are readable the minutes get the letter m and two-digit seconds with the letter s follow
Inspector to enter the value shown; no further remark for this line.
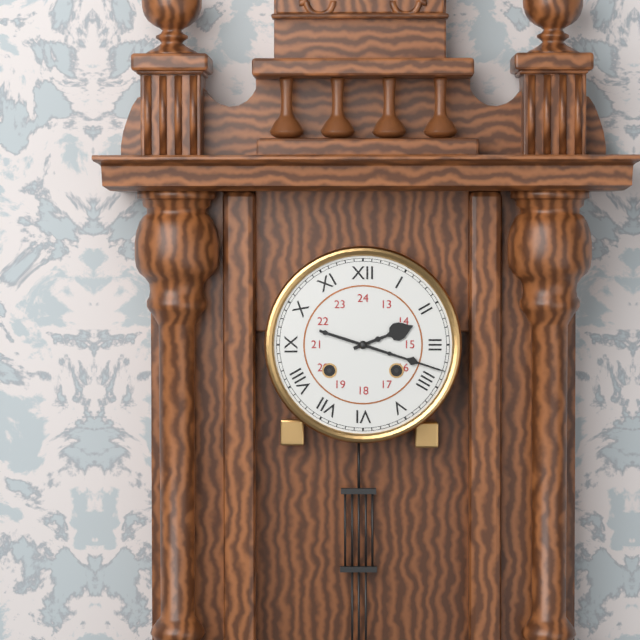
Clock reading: 2h18
